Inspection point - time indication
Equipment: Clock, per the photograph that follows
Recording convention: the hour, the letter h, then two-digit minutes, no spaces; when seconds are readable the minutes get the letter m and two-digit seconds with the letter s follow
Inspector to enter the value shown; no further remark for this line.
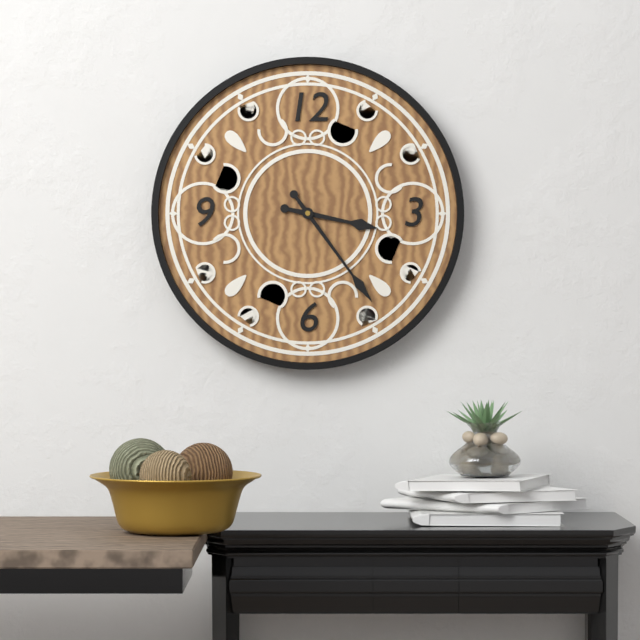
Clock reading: 3h24
